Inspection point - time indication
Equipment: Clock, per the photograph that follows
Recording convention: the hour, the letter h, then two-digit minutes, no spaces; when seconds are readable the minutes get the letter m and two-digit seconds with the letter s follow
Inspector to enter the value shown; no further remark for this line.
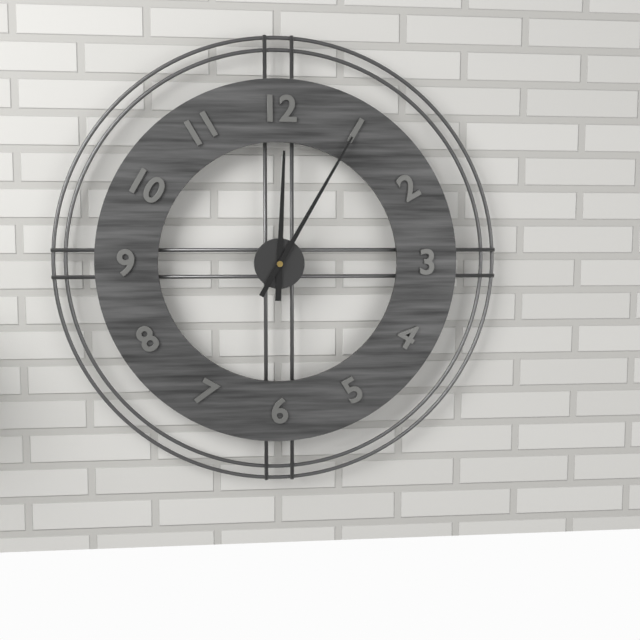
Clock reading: 12h05
